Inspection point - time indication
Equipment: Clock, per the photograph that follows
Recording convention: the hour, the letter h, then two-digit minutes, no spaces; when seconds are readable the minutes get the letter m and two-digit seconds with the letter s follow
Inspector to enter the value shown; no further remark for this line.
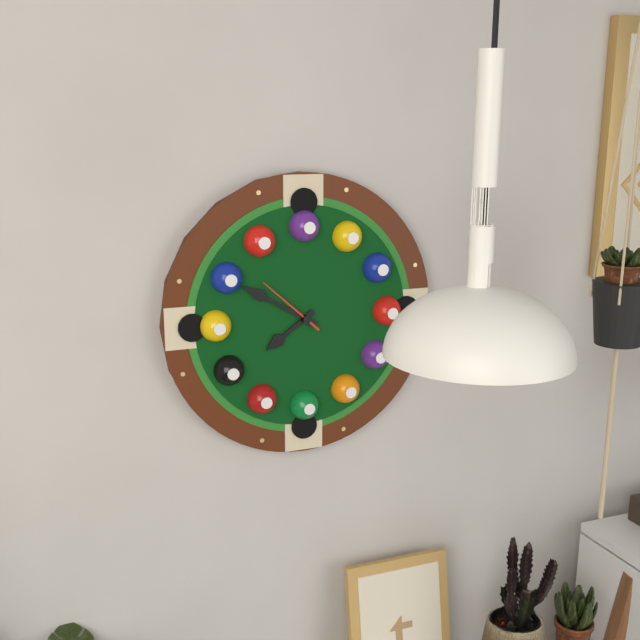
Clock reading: 7h50m52s
